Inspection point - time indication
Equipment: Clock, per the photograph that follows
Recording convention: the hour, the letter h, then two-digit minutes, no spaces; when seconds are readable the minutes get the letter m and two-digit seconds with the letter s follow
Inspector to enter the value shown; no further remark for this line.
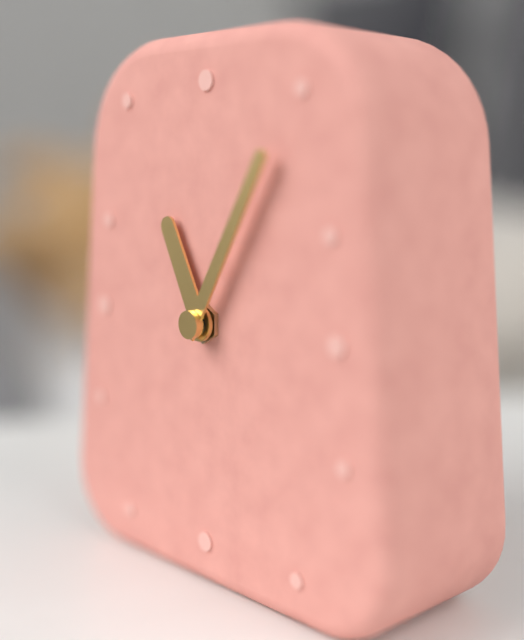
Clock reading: 11h05
